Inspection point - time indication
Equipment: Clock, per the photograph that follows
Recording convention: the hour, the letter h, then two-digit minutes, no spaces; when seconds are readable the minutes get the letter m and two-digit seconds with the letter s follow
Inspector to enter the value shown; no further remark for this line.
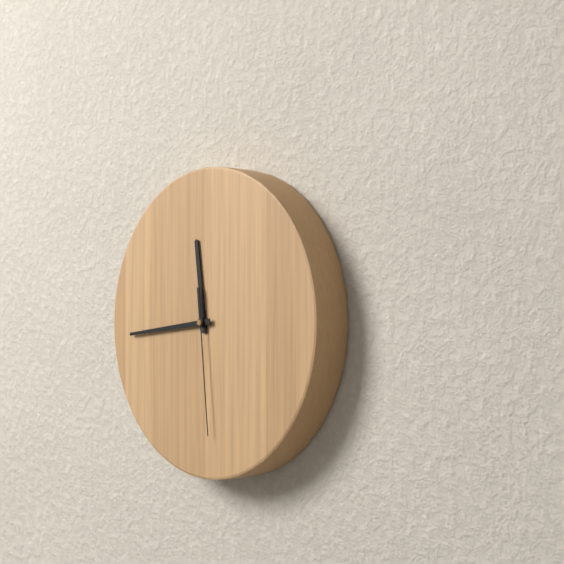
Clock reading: 11h44m29s
